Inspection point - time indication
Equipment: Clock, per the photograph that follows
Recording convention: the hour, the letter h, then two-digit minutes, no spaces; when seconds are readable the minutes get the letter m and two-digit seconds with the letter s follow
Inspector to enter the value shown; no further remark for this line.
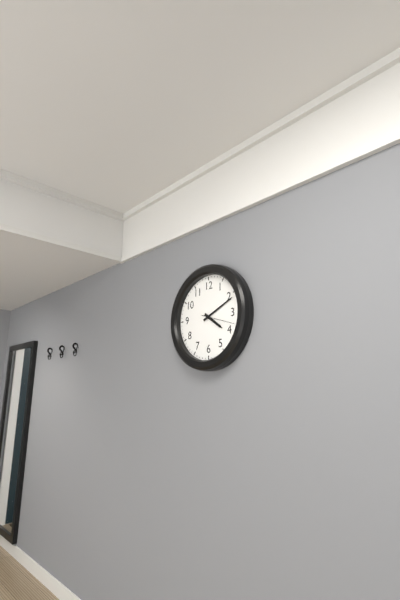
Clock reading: 4h11
